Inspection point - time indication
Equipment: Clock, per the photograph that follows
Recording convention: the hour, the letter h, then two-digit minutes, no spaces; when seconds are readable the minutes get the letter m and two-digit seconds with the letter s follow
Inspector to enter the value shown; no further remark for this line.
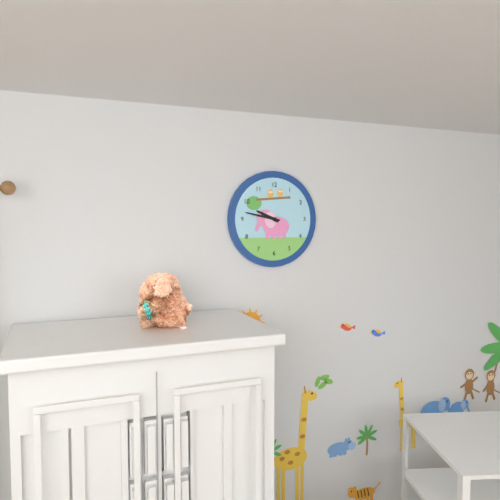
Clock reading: 9h47
